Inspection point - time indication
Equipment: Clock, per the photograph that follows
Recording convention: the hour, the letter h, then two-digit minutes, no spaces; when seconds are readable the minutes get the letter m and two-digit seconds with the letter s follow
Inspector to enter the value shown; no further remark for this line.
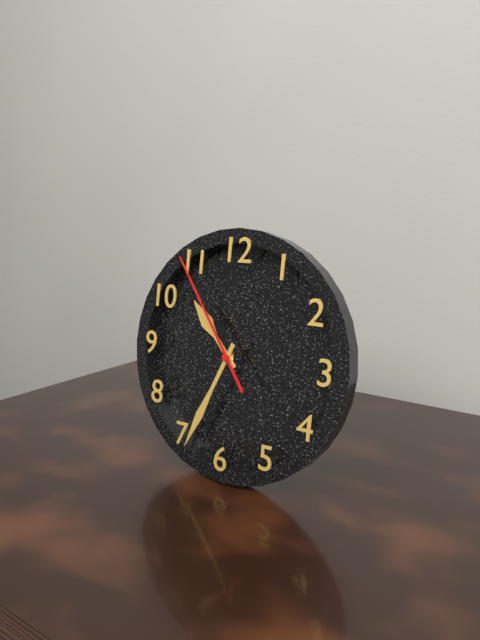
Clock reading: 10h34m54s
